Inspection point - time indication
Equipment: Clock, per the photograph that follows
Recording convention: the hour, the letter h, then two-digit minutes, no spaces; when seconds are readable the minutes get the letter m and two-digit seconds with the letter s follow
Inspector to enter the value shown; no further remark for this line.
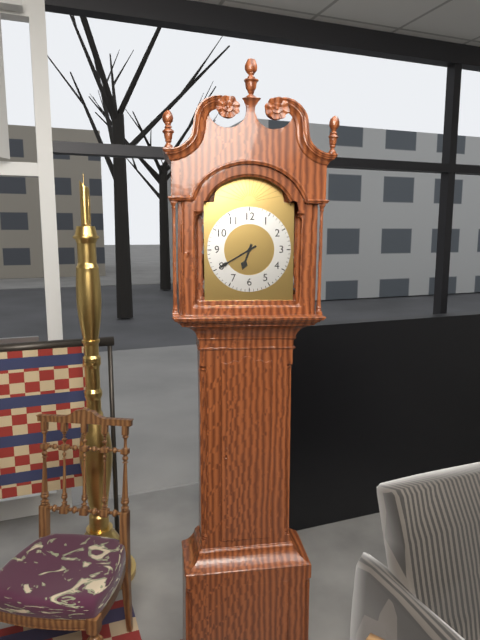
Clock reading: 6h40
